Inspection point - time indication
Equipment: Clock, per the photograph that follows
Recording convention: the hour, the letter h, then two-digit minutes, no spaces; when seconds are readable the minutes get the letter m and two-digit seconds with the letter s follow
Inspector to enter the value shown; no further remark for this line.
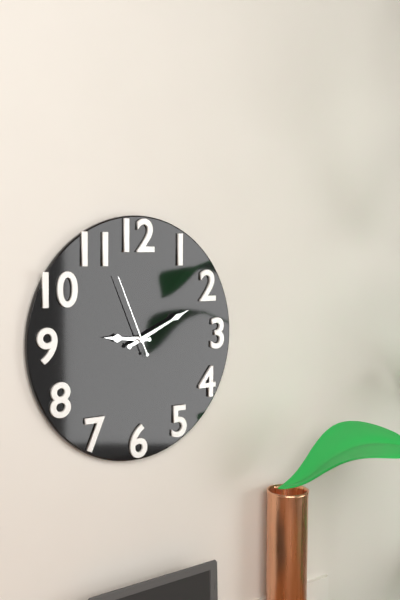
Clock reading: 9h11m56s
